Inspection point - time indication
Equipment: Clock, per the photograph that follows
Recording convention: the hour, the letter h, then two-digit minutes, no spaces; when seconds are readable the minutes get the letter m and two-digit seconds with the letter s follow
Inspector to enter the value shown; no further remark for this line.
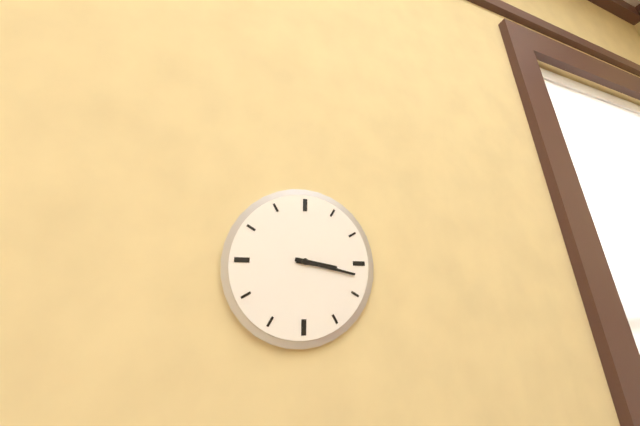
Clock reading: 3h17
